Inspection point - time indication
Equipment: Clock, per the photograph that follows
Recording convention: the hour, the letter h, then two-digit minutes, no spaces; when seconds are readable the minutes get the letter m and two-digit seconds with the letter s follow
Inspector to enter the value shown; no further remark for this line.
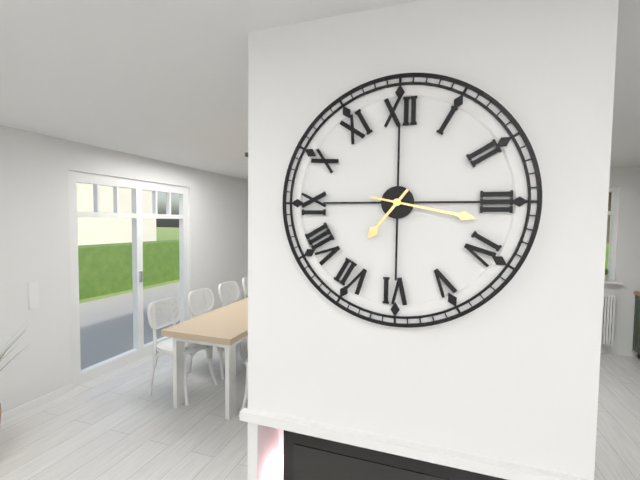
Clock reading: 7h17
